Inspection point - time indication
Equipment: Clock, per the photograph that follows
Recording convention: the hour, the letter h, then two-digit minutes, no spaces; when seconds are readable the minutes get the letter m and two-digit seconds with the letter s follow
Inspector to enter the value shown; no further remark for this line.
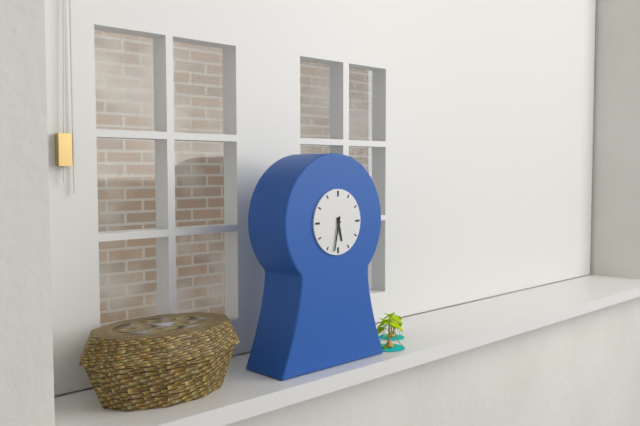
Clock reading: 5h32
